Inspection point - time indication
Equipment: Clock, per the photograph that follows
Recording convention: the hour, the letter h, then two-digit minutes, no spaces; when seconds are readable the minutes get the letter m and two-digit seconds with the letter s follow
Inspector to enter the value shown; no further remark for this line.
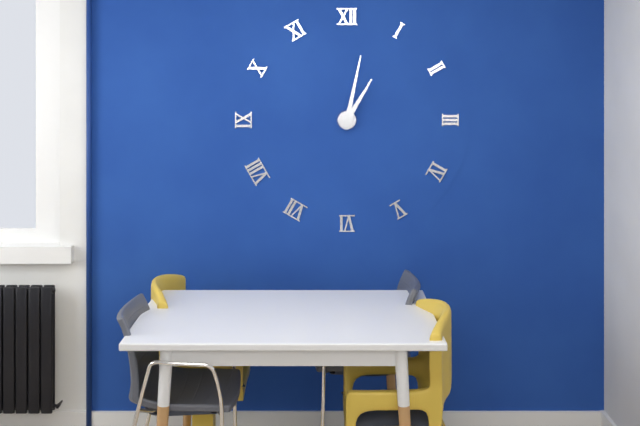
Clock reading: 1h02
